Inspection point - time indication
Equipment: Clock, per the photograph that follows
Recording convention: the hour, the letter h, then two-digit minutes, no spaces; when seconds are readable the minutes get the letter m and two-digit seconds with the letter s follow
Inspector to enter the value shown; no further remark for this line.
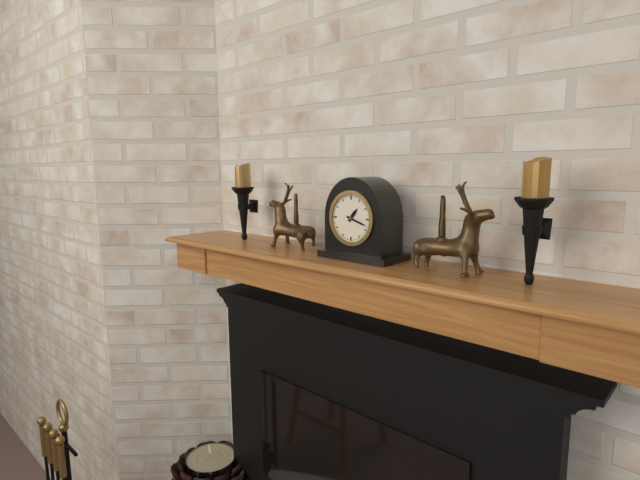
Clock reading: 1h18
